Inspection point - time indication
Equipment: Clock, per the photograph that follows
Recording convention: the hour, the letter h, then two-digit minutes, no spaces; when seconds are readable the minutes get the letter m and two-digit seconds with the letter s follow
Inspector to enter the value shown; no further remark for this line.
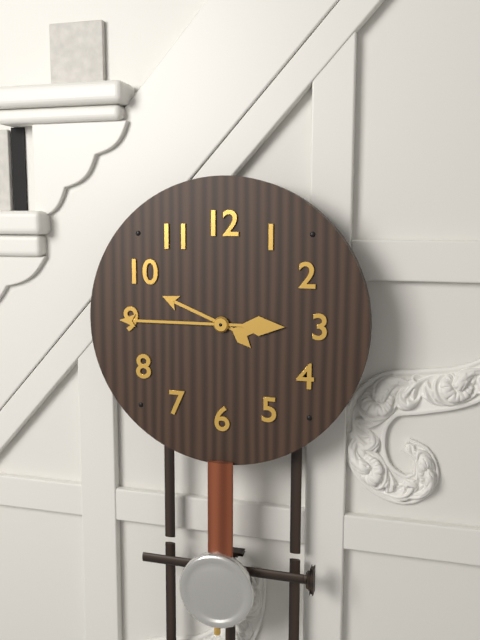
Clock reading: 9h45
